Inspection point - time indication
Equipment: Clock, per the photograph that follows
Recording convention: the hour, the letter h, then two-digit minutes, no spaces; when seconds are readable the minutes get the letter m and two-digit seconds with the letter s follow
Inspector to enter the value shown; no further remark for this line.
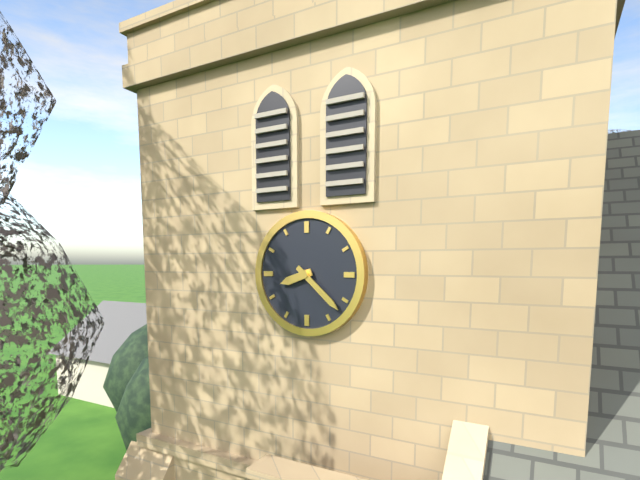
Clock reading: 8h22
